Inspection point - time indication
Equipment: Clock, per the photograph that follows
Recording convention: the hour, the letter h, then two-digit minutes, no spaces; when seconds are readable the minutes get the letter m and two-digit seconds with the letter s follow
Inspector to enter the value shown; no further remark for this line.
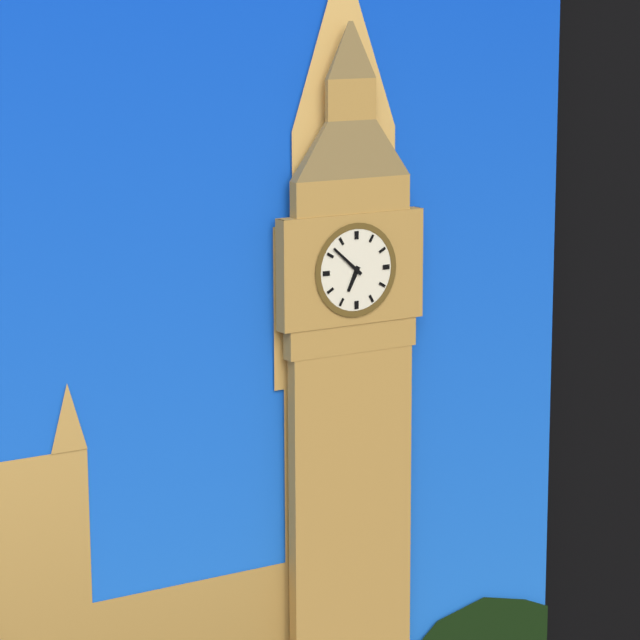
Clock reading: 6h52
